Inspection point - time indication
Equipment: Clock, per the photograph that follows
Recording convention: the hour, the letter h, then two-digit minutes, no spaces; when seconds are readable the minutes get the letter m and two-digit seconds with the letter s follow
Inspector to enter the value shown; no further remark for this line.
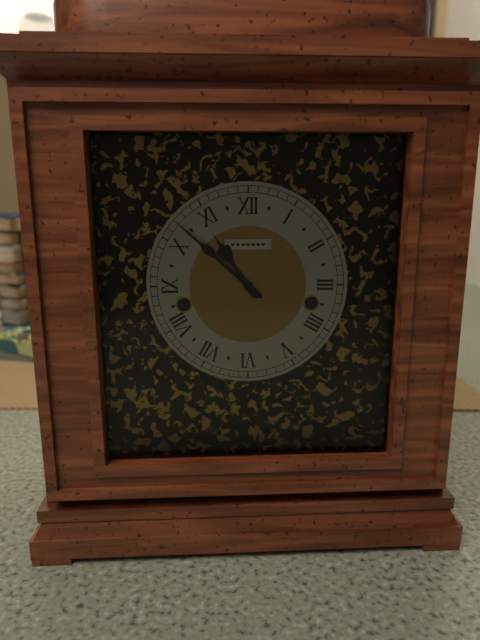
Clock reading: 10h52
